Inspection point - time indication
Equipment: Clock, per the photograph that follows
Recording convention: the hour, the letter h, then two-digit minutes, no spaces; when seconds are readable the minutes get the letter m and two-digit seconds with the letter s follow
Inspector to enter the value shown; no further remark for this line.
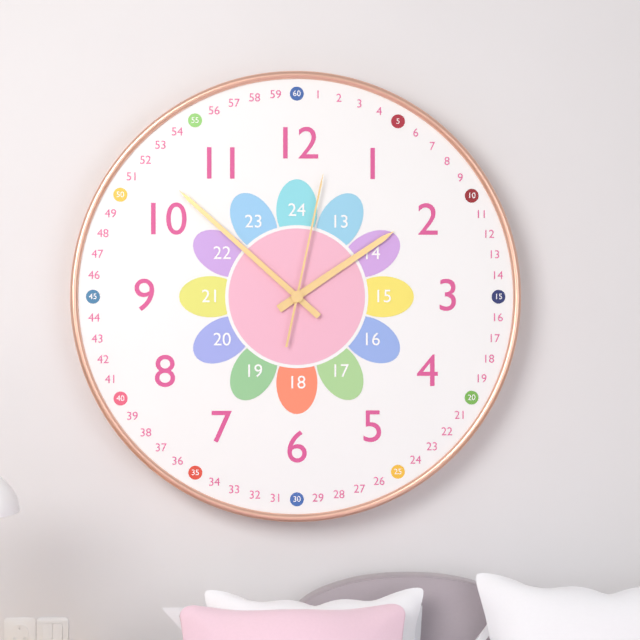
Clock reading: 1h52m02s
